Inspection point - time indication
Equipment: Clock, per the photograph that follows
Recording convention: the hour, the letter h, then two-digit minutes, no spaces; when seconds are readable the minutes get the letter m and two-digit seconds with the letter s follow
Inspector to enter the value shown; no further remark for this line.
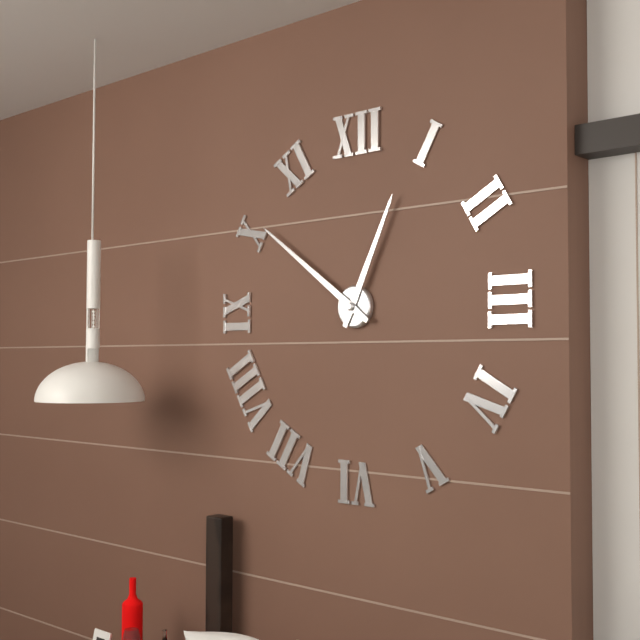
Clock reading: 12h51
